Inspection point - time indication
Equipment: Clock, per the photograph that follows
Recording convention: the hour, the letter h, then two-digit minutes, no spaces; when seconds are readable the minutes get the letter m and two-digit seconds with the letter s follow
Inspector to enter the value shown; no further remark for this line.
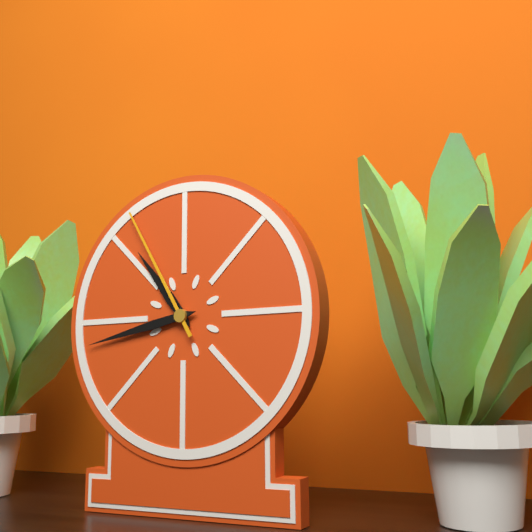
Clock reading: 10h43m55s
